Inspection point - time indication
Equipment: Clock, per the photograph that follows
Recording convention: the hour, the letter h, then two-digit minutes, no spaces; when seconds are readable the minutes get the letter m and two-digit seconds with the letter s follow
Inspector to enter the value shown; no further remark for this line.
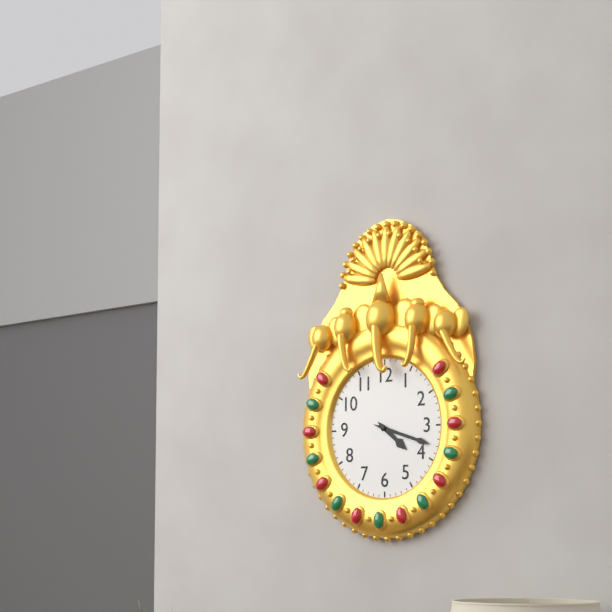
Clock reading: 4h18
